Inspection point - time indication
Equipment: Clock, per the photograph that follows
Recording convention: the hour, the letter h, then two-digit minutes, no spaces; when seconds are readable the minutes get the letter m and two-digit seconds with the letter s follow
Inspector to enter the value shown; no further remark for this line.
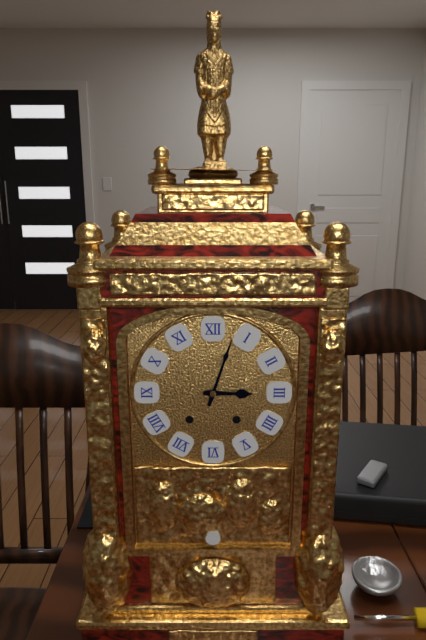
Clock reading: 3h03
